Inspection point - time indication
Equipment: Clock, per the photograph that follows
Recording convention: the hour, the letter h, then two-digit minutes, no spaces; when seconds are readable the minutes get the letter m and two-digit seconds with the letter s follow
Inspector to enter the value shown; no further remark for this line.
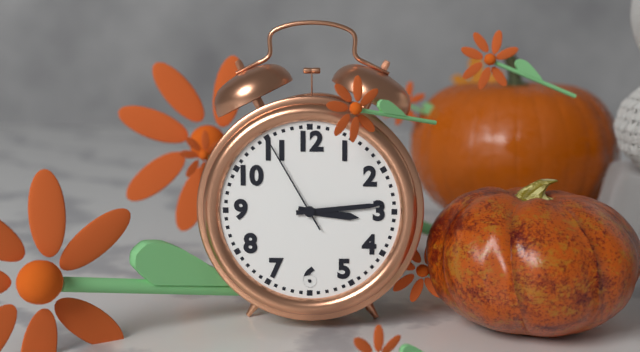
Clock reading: 3h14m55s
